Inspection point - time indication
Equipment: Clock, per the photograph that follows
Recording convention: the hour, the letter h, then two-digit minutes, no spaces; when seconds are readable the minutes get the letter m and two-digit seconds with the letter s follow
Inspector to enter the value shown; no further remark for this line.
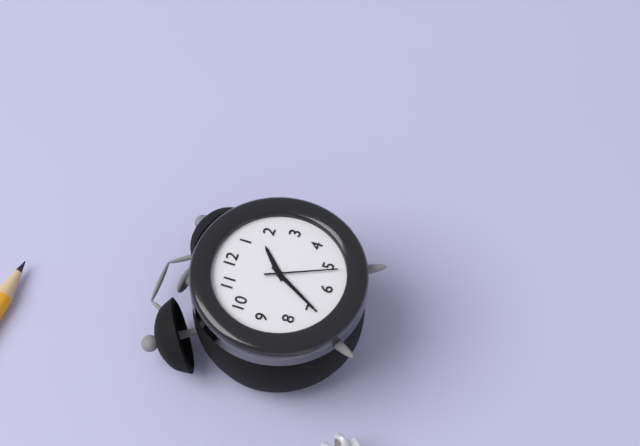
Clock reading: 1h35m26s
